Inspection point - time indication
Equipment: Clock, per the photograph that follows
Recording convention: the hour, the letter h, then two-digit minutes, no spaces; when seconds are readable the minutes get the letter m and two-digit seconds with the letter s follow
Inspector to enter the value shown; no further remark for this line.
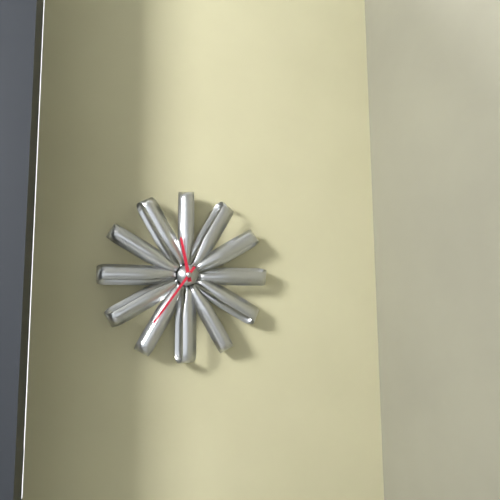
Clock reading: 11h36
